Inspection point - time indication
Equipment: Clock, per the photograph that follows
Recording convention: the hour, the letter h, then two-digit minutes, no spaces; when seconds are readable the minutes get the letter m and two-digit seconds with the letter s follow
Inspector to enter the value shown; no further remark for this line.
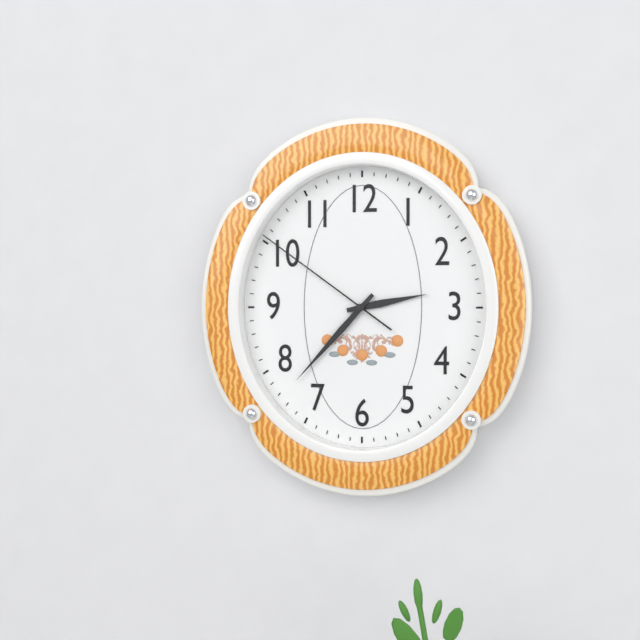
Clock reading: 2h37m51s
